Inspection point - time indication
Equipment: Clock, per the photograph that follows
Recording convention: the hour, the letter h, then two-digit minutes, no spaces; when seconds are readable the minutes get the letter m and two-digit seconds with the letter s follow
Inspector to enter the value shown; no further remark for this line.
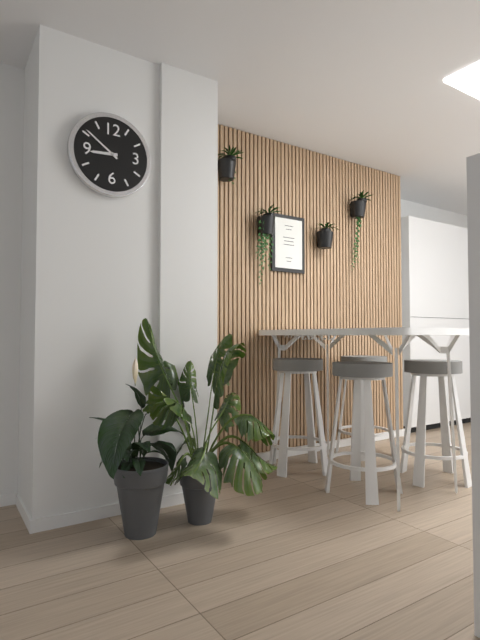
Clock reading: 8h51
